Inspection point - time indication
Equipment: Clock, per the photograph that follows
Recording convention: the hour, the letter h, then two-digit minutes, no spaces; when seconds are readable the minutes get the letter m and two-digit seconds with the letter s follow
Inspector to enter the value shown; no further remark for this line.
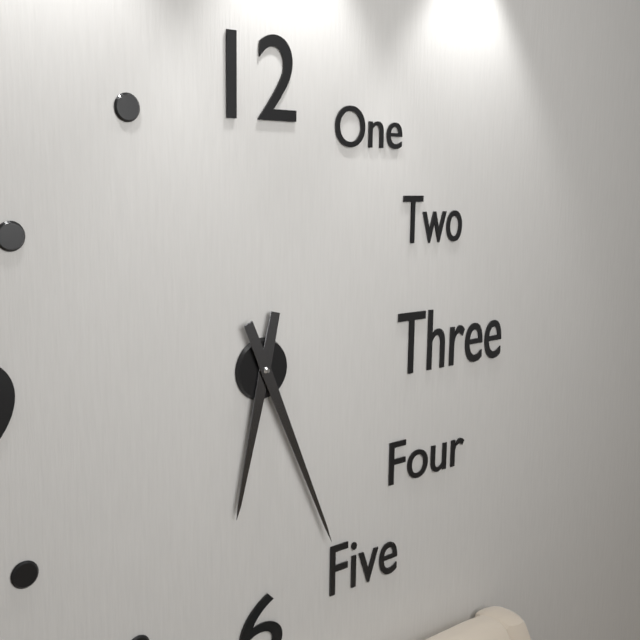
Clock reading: 6h26
